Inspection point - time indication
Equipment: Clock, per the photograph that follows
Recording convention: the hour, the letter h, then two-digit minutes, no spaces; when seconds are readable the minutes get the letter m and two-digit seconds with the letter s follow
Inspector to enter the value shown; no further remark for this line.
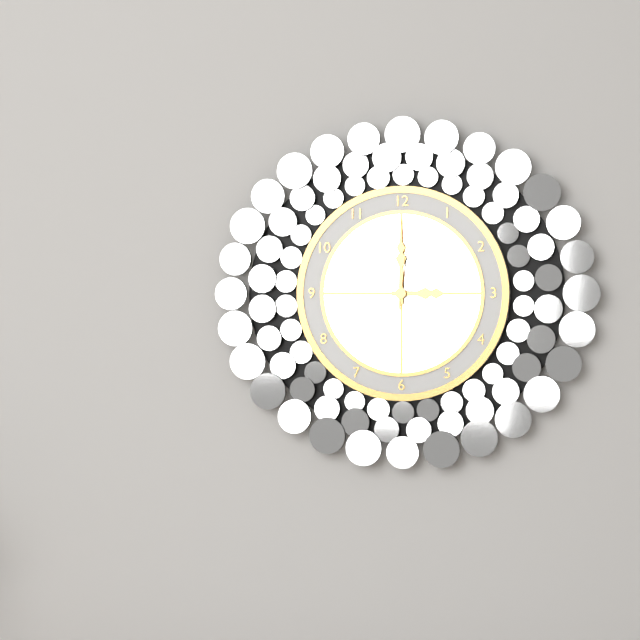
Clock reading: 3h00m01s
